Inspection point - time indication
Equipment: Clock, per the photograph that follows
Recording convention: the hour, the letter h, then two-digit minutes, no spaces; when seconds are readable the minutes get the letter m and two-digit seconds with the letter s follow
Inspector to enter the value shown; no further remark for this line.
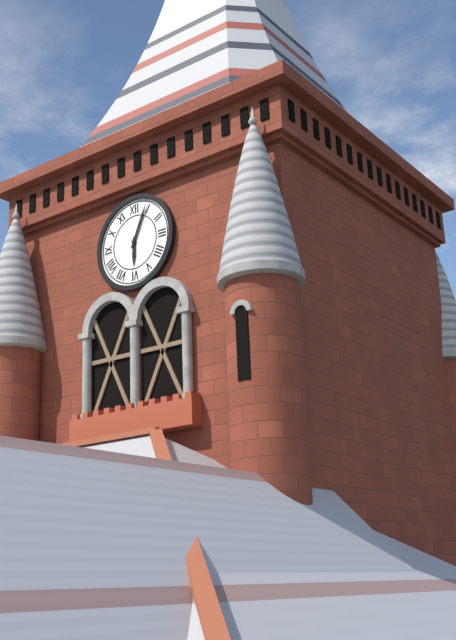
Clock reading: 6h04
